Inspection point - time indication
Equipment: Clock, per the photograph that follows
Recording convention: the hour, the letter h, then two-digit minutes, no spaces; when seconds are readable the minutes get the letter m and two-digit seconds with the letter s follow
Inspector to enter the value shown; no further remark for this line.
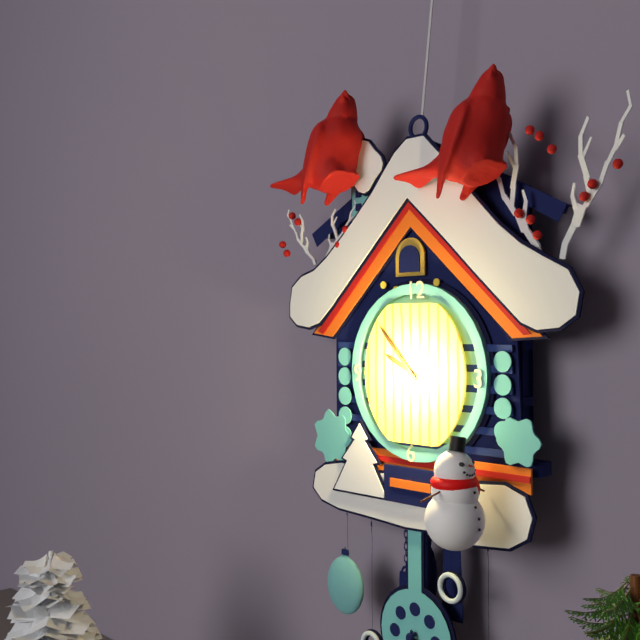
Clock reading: 9h53
